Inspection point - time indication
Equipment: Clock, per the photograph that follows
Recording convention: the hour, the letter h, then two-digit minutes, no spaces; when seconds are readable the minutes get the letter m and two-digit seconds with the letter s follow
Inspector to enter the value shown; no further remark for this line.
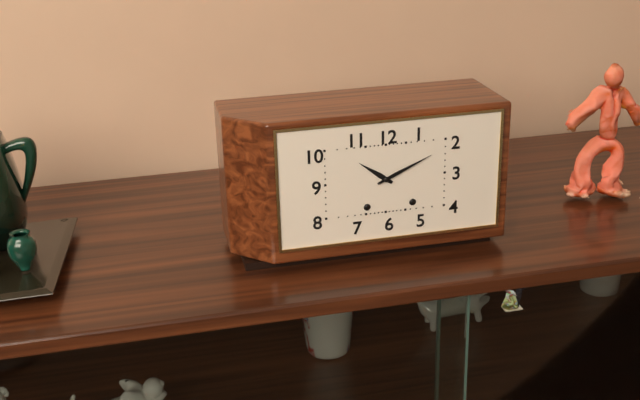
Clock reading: 10h11
